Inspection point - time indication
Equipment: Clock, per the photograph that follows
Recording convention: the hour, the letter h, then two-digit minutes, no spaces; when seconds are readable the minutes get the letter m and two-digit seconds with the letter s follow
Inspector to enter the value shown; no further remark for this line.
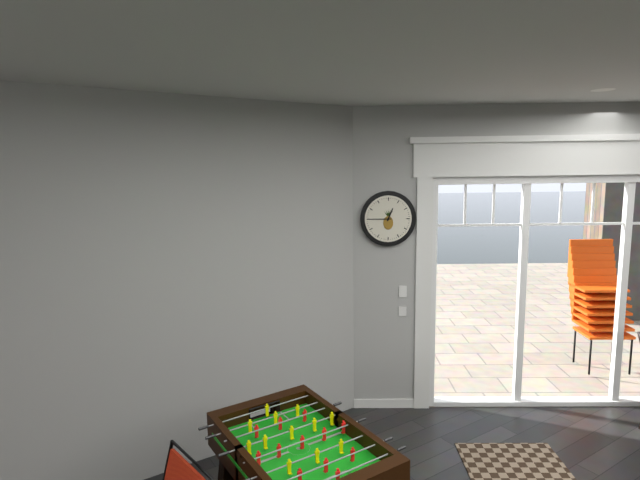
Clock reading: 12h45
